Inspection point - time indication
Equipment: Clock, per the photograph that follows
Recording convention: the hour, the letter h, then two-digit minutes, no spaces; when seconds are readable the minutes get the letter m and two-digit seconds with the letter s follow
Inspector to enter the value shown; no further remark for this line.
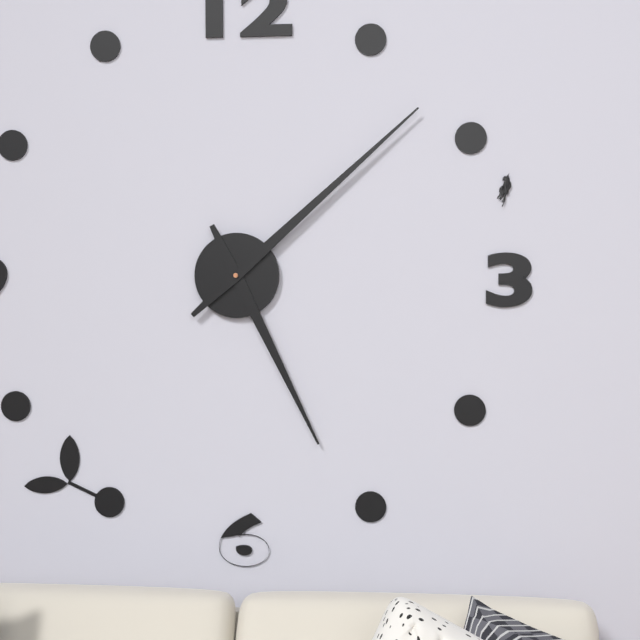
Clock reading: 5h08
